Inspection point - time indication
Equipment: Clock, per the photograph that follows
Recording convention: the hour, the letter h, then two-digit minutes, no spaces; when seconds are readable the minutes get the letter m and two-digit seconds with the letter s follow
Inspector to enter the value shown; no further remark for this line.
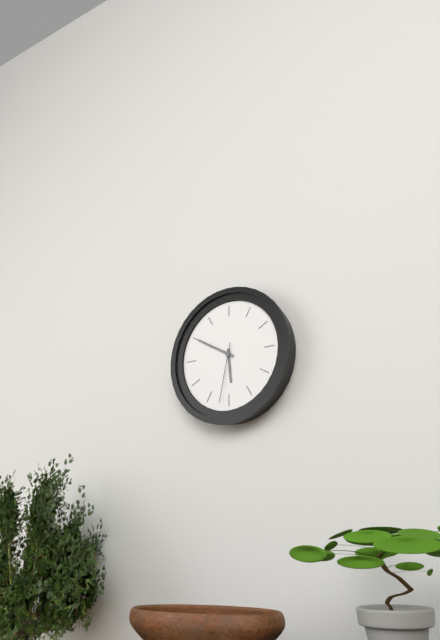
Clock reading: 5h50m32s
